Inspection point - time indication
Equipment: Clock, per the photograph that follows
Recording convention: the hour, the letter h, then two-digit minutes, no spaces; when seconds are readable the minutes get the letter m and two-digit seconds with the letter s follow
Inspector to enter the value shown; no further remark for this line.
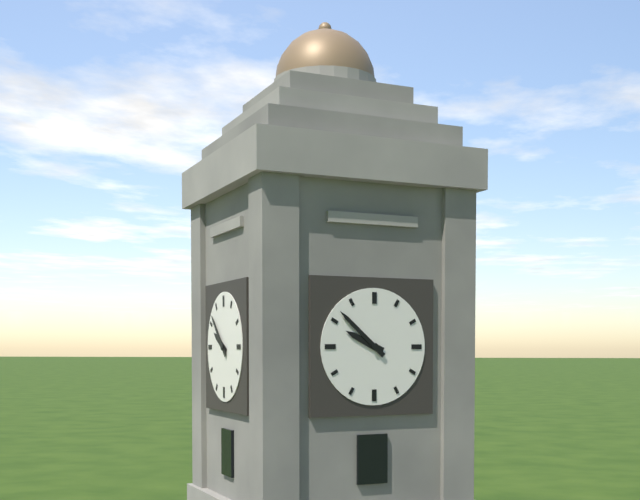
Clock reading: 9h52
